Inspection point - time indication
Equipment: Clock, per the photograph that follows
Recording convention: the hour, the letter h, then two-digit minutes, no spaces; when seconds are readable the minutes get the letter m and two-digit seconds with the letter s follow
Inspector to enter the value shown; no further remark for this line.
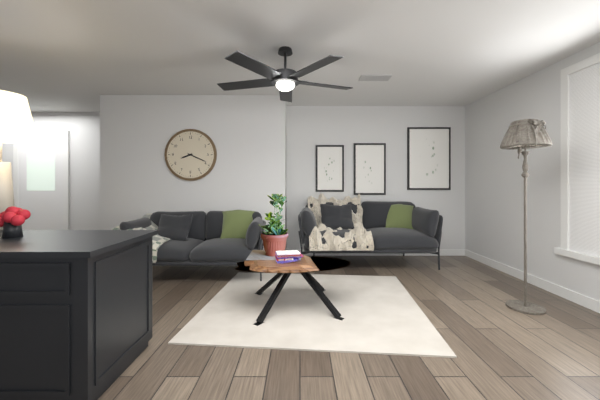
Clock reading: 8h19
